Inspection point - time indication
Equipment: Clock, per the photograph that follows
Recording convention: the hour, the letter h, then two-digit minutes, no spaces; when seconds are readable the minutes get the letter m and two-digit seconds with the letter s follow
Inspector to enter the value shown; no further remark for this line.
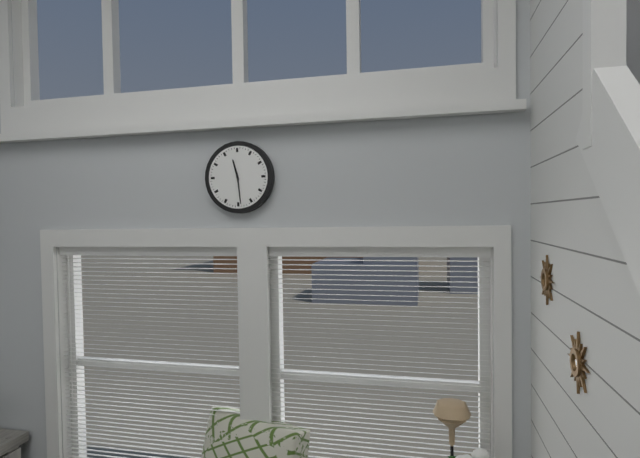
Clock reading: 11h29
